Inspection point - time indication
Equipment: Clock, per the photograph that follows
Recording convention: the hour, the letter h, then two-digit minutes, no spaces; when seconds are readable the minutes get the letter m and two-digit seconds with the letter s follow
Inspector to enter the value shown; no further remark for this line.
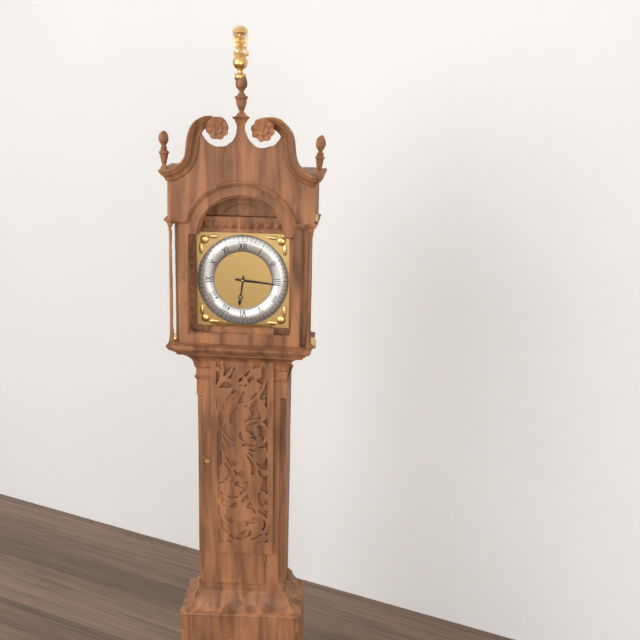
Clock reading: 6h16
